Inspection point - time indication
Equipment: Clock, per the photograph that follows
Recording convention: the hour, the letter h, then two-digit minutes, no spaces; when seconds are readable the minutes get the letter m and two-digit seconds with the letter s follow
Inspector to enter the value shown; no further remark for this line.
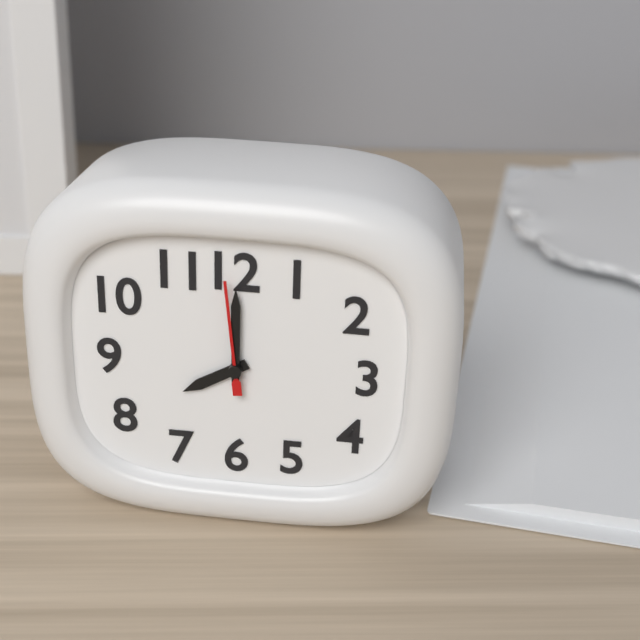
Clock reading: 8h00m59s
